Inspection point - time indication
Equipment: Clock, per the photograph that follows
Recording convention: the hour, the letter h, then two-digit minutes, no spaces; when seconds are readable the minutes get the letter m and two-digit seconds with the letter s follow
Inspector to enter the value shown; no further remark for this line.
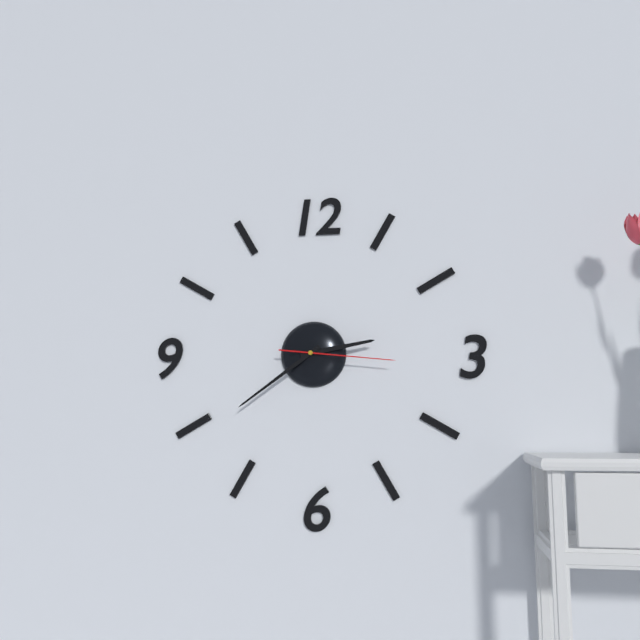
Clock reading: 2h39m16s
